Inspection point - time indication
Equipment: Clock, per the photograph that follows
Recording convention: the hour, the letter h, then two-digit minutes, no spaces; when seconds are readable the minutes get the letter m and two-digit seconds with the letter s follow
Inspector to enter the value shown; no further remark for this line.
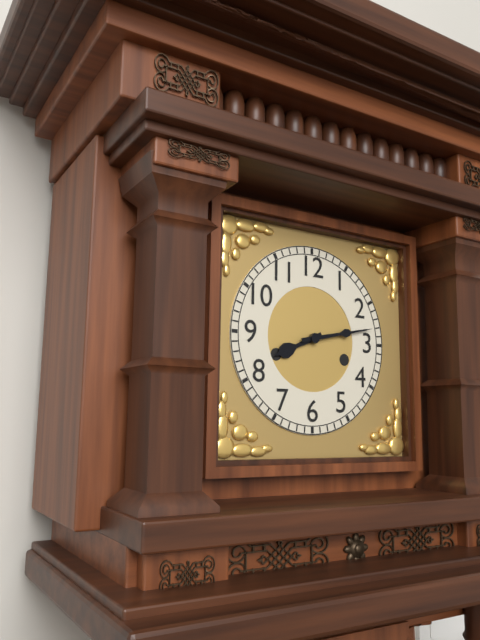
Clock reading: 8h13
